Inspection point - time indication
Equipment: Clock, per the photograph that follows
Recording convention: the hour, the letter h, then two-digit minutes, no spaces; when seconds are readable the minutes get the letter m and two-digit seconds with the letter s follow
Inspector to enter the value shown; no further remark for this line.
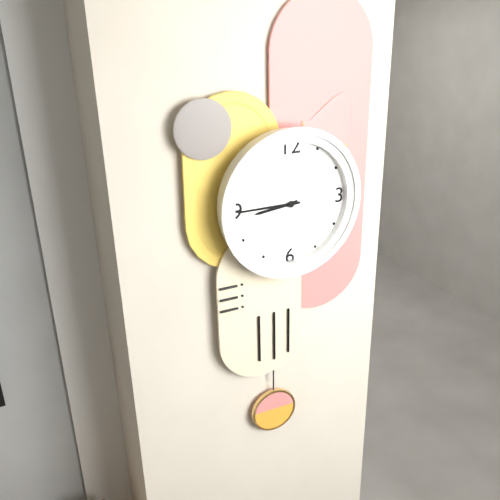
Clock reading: 8h45
